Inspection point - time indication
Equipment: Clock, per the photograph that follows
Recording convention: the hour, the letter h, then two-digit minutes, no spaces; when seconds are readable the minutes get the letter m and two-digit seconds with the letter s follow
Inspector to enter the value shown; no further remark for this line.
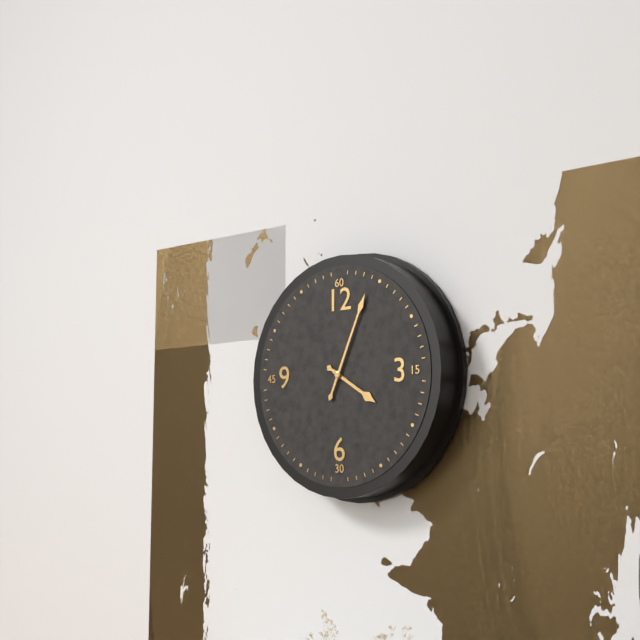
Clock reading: 4h04
